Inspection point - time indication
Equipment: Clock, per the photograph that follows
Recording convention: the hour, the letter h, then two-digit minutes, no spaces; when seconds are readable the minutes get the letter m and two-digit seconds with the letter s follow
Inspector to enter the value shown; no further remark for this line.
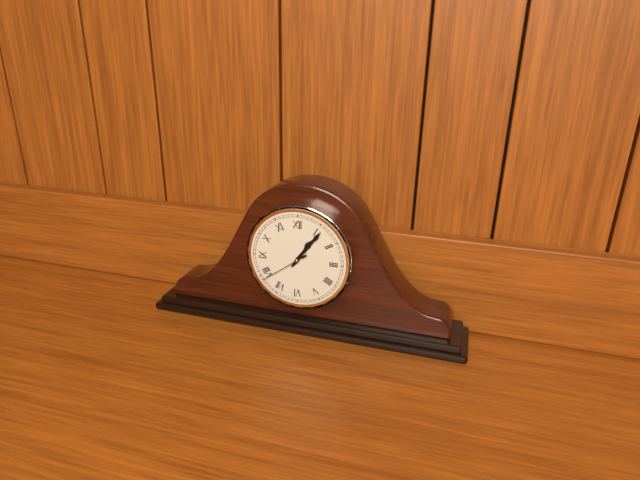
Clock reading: 1h06
